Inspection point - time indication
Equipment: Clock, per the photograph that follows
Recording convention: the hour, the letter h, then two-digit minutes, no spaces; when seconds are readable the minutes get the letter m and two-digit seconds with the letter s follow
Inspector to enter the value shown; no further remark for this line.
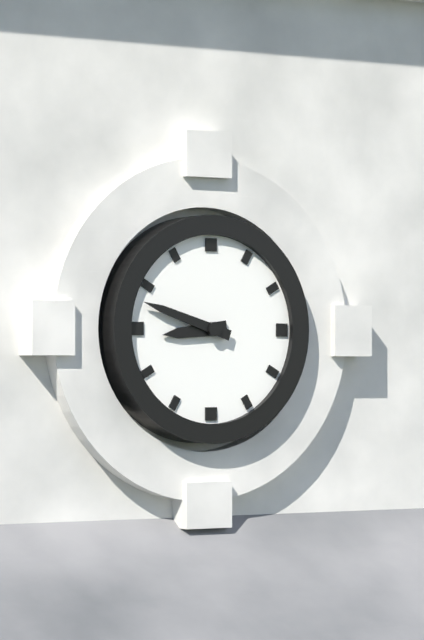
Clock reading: 8h48
